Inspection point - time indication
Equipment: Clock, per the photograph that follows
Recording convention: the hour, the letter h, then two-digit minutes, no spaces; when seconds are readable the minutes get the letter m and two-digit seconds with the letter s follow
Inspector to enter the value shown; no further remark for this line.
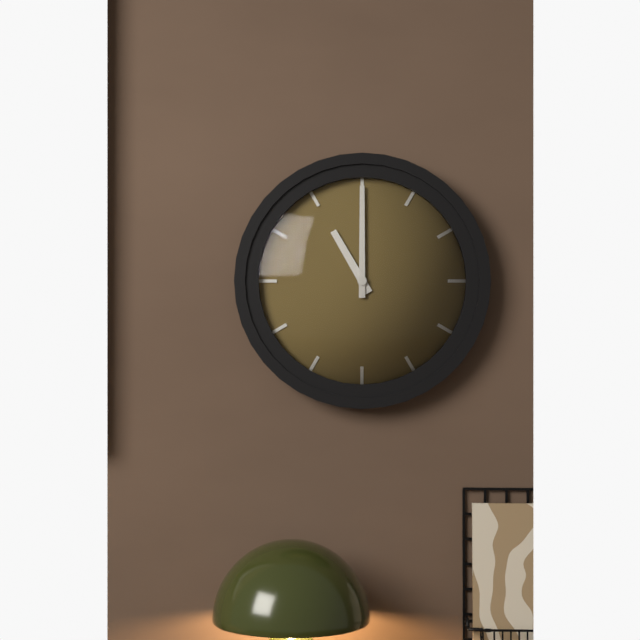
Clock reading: 11h00
